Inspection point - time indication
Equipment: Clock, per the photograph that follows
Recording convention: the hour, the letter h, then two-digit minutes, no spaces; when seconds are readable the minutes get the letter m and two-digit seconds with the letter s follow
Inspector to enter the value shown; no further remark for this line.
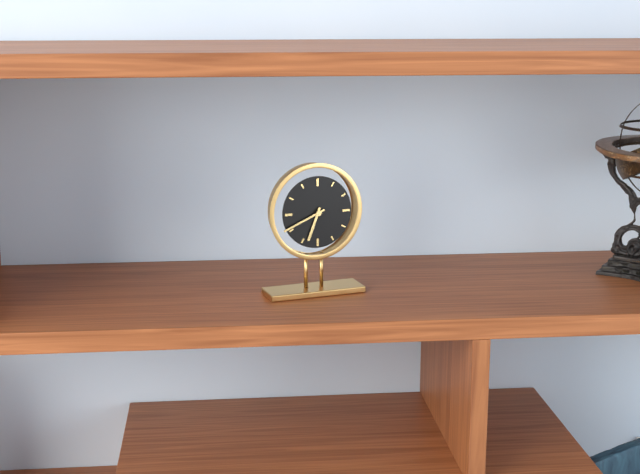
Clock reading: 6h41
